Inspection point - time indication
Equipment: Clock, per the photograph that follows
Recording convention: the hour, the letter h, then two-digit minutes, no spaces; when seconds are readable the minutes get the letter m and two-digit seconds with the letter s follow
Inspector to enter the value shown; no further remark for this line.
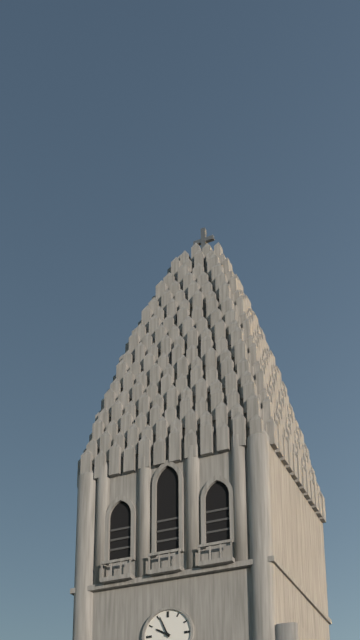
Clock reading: 9h56
